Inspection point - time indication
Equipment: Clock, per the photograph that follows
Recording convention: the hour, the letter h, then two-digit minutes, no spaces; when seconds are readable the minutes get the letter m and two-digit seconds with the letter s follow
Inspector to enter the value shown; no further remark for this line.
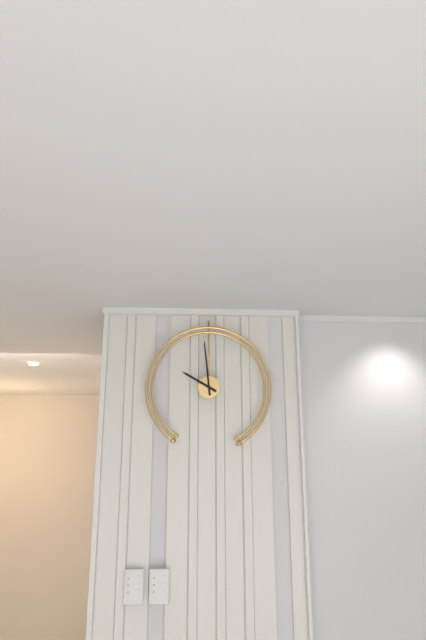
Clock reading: 9h59
